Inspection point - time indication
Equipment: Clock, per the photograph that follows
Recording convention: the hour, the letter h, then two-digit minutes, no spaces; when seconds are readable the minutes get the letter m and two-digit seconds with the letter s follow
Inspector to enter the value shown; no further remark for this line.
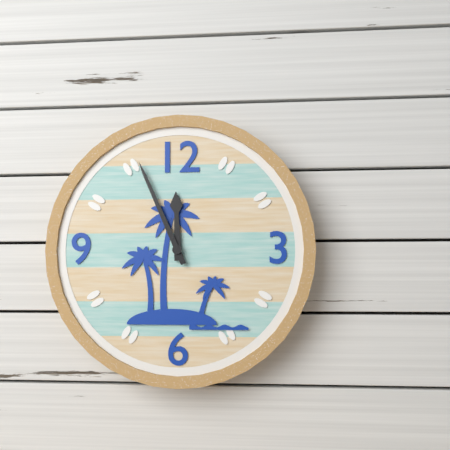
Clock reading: 11h56
